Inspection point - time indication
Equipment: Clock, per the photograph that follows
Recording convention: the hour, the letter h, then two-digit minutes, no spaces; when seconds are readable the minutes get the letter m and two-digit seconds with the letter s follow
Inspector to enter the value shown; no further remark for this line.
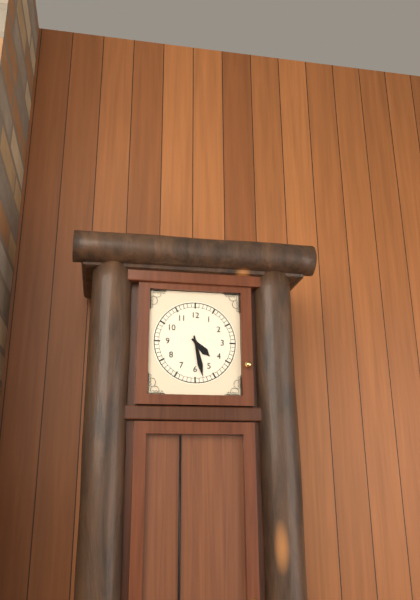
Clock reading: 4h28
